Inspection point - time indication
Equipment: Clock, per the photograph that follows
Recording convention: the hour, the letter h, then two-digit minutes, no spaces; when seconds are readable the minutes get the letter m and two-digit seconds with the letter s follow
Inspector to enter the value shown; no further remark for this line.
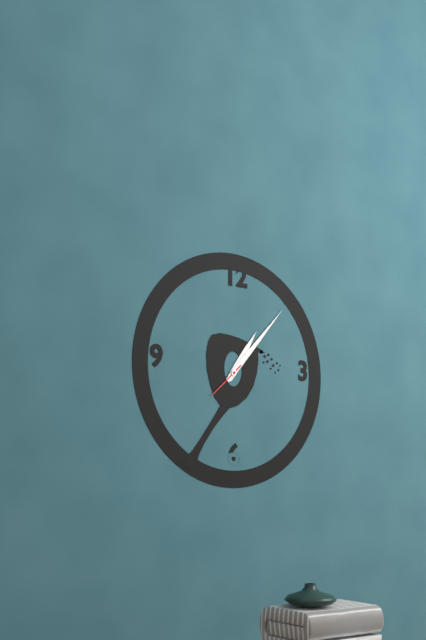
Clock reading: 1h07
